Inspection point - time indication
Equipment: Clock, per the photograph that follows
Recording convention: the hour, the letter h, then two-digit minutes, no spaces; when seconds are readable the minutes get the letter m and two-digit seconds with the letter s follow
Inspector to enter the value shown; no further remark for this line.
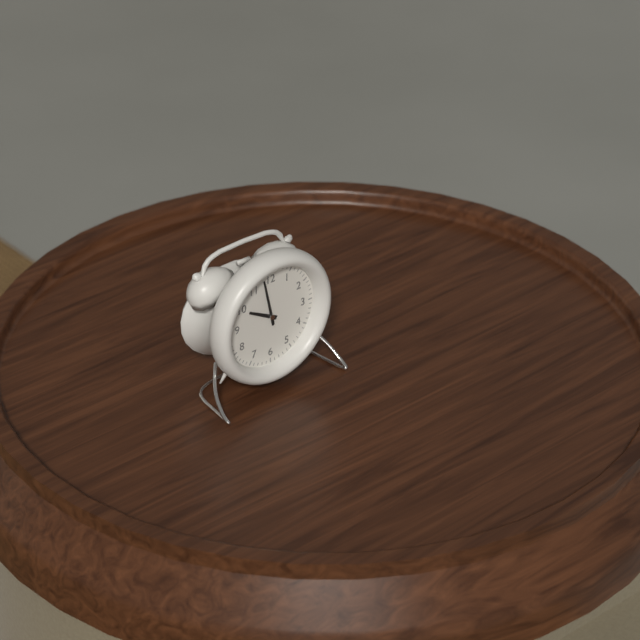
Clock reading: 9h58
